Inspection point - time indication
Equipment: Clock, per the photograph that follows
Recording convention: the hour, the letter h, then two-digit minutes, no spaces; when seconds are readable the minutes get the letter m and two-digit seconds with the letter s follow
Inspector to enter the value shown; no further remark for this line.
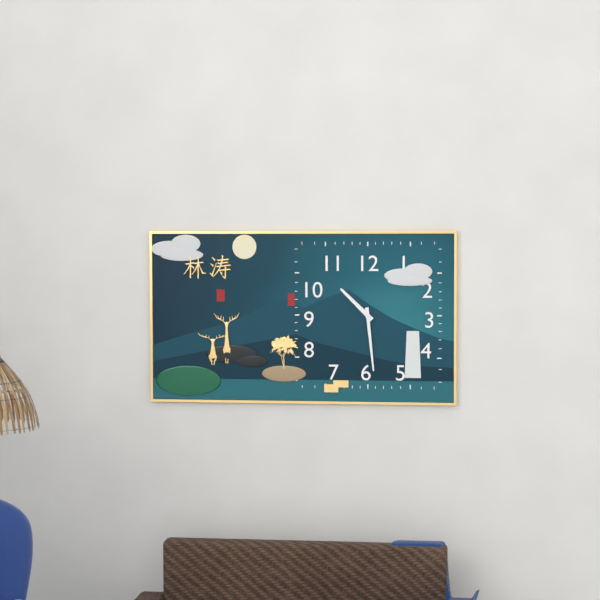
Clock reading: 10h29
